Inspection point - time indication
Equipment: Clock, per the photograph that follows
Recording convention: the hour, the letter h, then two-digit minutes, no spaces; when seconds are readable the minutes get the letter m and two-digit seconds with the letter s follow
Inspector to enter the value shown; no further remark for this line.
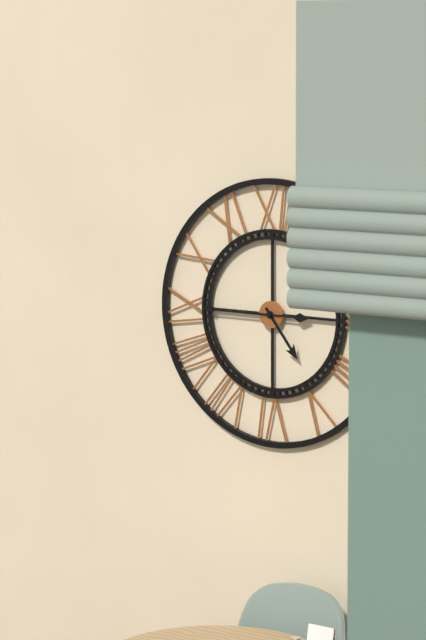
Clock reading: 4h45
